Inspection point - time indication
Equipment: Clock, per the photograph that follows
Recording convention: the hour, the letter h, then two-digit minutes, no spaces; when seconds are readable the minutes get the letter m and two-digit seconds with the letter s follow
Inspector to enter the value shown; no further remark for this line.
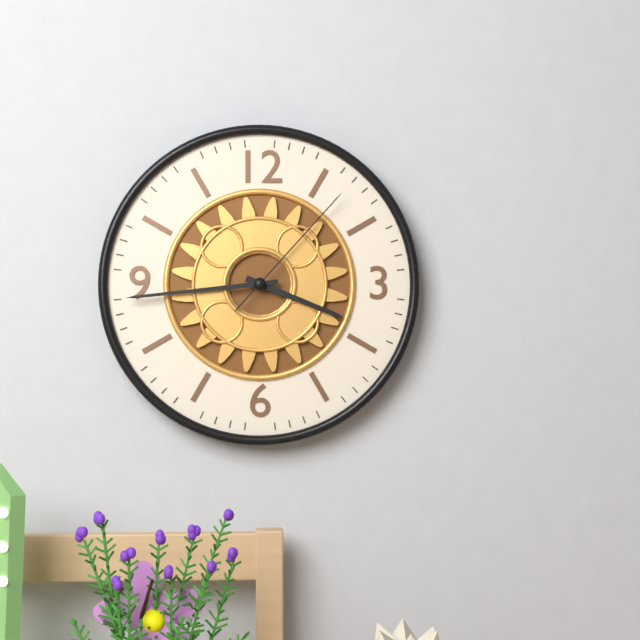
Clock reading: 3h44m07s
